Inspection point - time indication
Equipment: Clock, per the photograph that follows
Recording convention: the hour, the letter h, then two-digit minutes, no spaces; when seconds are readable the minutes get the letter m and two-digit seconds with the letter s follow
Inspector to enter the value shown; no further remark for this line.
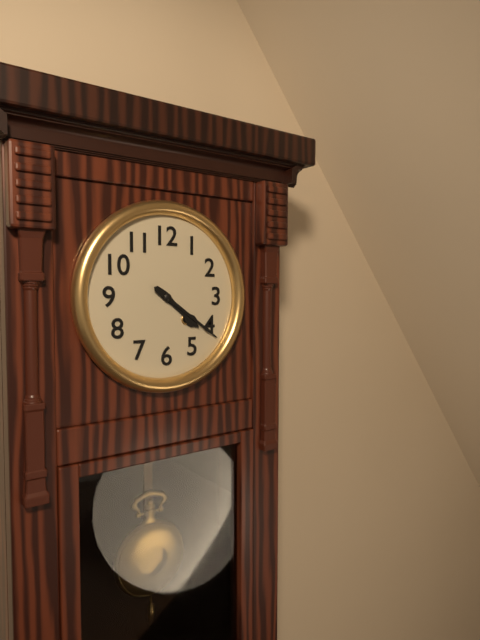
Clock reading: 4h21
